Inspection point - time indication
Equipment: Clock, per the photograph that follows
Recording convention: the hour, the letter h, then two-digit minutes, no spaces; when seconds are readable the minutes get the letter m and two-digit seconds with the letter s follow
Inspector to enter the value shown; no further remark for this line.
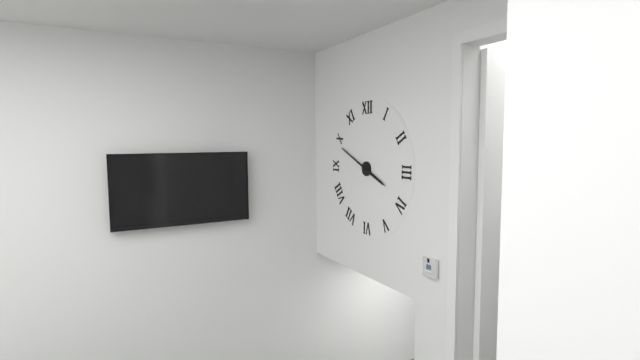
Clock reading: 3h49
